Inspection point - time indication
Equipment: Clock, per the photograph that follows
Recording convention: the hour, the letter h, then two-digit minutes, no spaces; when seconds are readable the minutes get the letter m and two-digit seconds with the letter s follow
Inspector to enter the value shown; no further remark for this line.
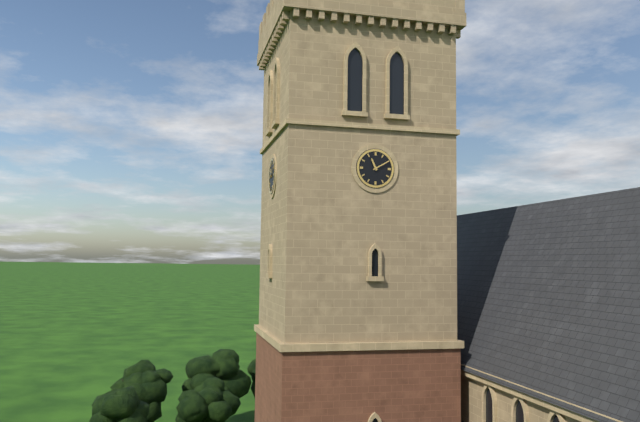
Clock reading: 11h10
